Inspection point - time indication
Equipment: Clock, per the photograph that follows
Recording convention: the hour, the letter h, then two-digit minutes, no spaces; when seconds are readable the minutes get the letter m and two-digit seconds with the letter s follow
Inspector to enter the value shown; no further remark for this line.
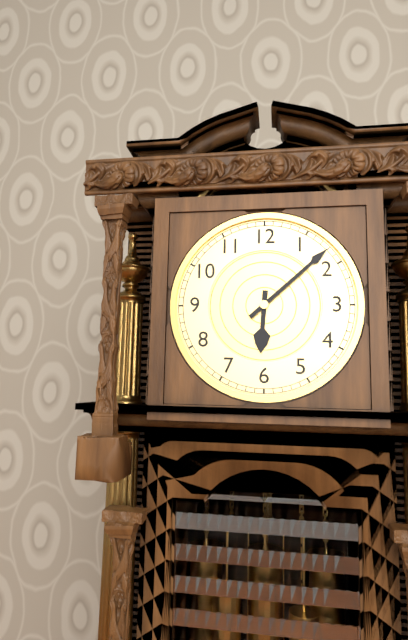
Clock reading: 6h08
